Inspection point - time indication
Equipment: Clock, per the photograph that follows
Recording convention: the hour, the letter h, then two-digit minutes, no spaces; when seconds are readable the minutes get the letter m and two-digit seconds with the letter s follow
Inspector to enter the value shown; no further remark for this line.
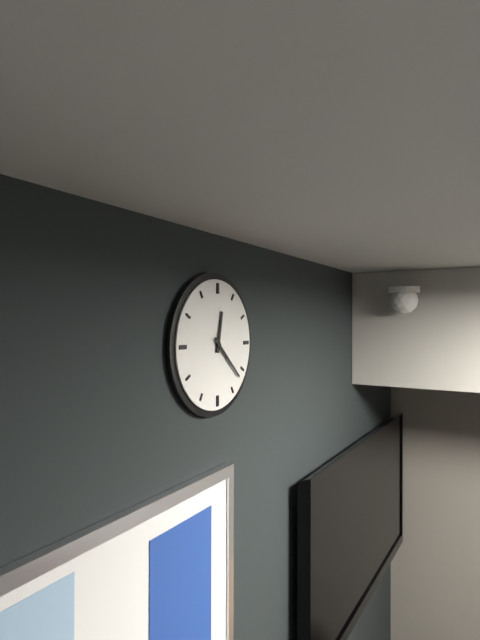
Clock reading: 12h22
